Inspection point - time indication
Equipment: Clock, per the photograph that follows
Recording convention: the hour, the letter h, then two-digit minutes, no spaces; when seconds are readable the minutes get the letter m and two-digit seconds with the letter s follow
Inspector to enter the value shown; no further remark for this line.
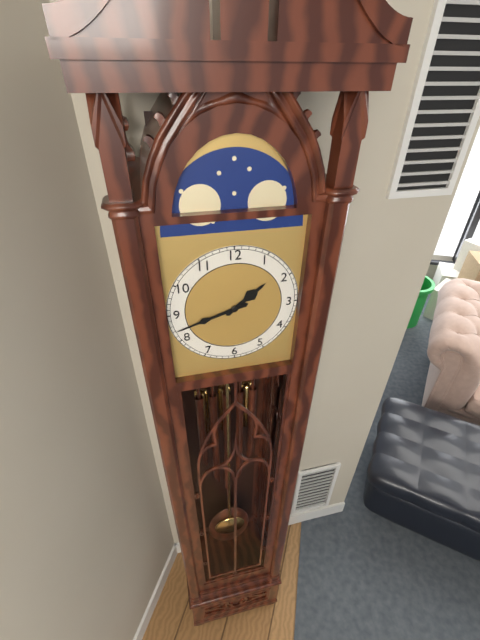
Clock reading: 1h42
